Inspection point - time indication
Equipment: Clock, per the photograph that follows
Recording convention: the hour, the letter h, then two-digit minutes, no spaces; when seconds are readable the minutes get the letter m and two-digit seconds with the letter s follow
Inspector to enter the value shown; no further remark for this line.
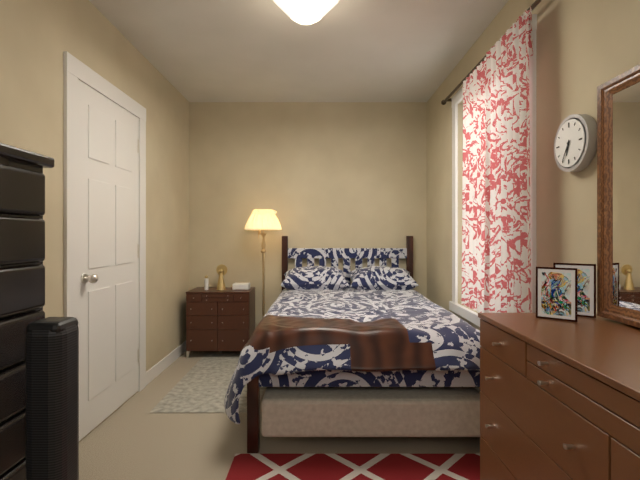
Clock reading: 6h35
